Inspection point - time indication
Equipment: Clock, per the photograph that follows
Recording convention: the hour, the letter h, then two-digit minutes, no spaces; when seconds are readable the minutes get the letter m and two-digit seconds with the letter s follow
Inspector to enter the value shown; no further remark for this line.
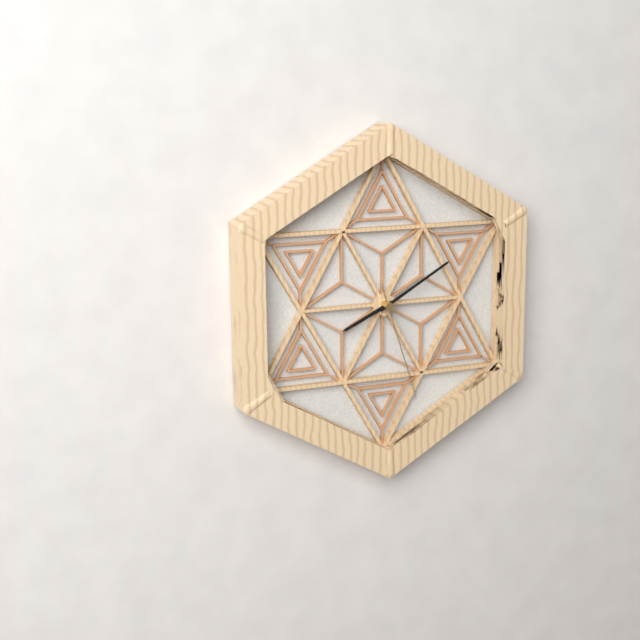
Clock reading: 8h10m27s
